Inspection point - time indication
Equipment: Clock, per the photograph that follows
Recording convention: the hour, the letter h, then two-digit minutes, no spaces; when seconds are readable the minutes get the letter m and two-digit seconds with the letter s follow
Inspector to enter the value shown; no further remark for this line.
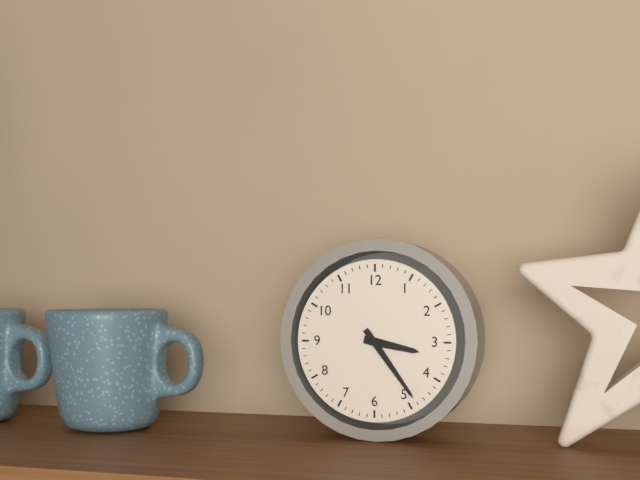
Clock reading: 3h24
